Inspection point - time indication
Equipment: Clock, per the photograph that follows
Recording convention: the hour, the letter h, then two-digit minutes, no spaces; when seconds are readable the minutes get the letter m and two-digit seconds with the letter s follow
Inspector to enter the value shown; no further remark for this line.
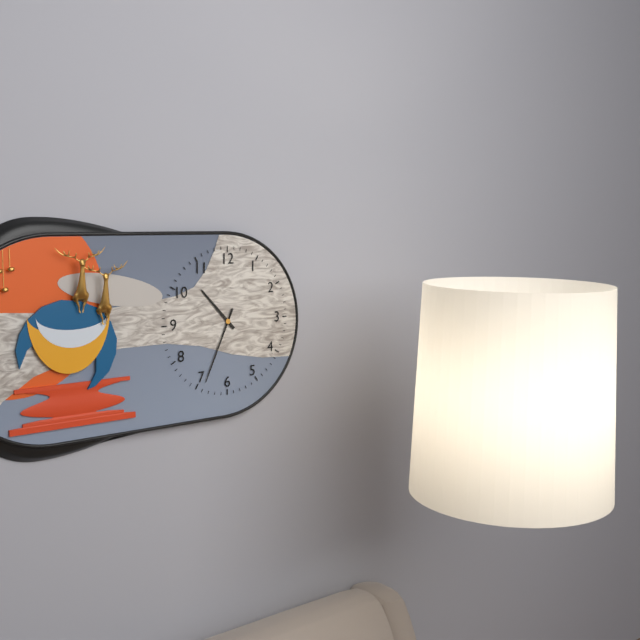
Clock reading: 10h34
